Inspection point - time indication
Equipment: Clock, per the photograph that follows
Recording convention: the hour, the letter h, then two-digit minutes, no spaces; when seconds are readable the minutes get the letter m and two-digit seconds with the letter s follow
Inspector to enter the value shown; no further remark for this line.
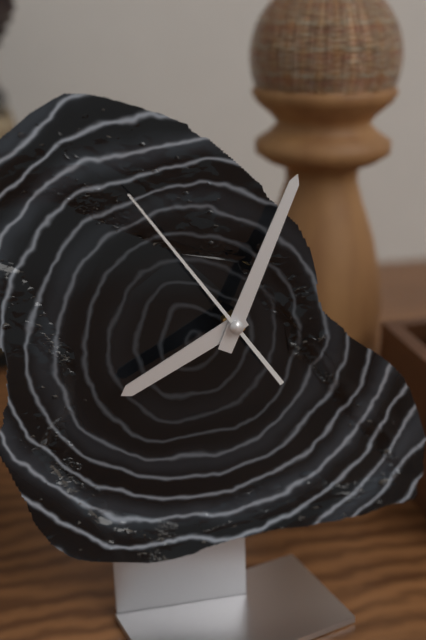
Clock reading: 8h04m54s
